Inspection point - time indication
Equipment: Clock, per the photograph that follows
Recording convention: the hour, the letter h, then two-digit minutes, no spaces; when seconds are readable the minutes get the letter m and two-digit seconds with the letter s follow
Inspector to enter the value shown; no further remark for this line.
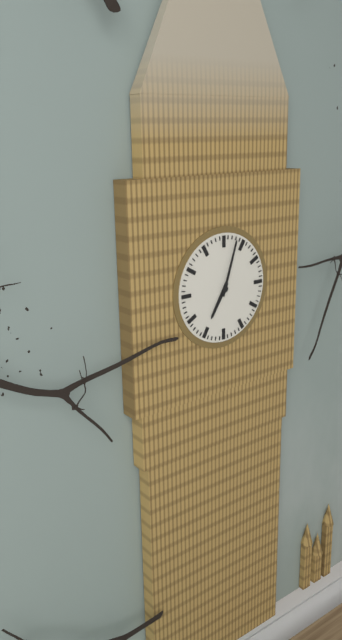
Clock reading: 7h03
